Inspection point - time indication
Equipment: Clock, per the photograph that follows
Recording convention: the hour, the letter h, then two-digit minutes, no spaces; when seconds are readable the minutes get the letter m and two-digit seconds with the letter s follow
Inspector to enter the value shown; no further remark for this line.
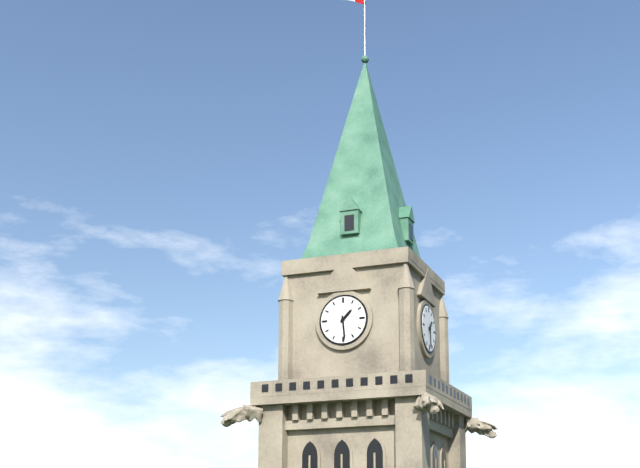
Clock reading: 1h29
